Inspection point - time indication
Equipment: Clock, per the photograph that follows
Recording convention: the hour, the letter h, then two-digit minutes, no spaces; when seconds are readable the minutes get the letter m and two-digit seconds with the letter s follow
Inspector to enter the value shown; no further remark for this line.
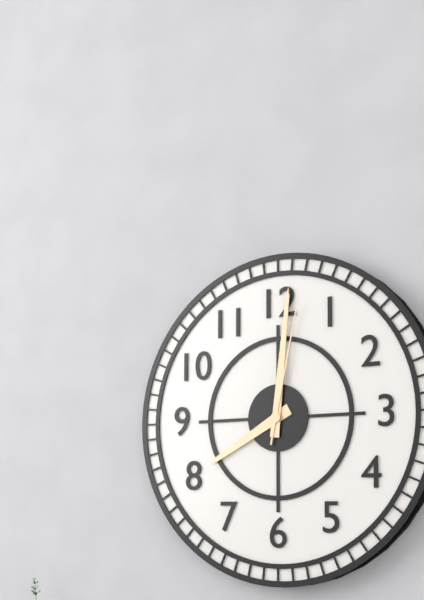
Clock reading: 8h01m02s
